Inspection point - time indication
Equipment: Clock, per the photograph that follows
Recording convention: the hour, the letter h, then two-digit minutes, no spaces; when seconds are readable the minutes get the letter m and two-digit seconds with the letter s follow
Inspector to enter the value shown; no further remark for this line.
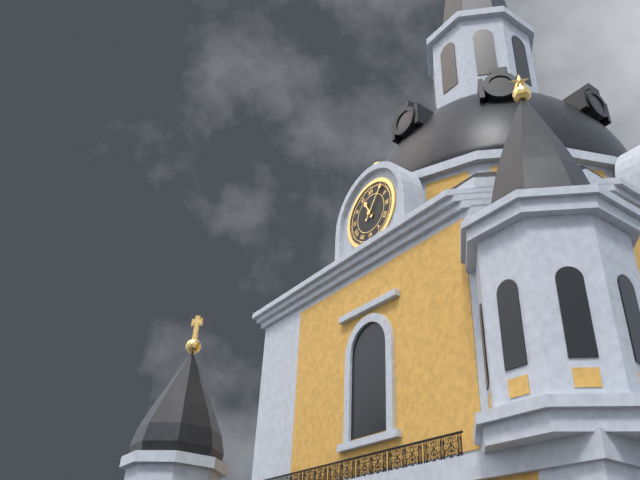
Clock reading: 11h06
